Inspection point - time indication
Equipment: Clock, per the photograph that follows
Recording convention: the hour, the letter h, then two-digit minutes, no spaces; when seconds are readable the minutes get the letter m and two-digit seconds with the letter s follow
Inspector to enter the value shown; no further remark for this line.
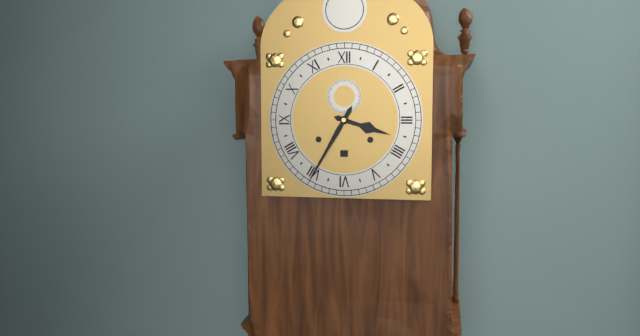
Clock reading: 3h35
